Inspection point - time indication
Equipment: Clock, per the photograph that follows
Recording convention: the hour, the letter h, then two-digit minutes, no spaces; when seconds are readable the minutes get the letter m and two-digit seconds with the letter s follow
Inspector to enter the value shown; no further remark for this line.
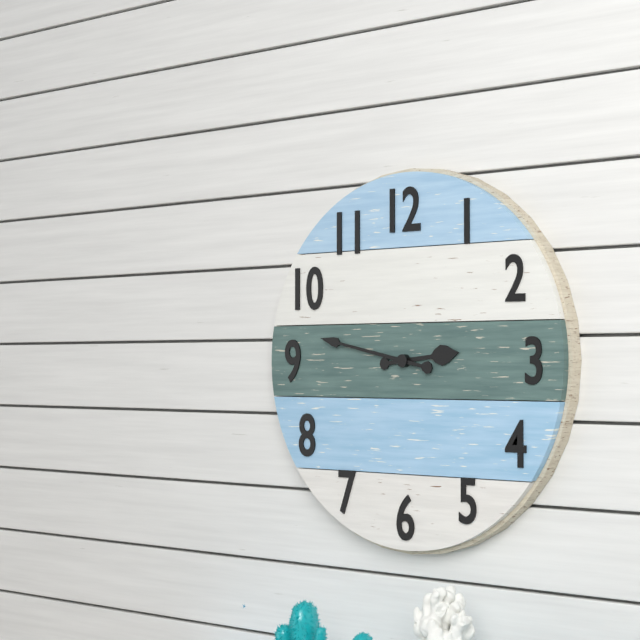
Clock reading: 2h47
